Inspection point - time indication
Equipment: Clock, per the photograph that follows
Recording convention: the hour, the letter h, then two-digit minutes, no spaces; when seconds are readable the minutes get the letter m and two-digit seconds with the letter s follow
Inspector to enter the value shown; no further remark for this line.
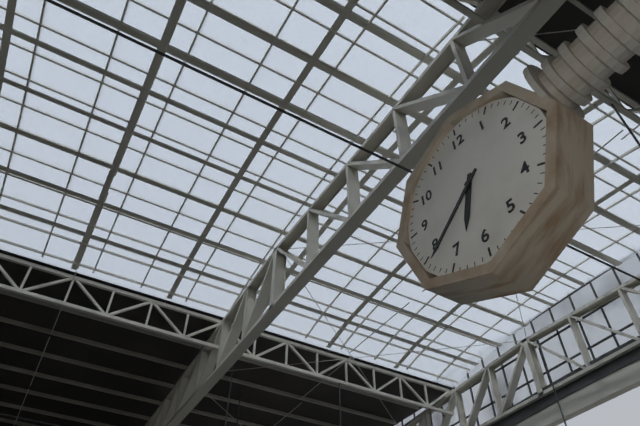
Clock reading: 6h39
